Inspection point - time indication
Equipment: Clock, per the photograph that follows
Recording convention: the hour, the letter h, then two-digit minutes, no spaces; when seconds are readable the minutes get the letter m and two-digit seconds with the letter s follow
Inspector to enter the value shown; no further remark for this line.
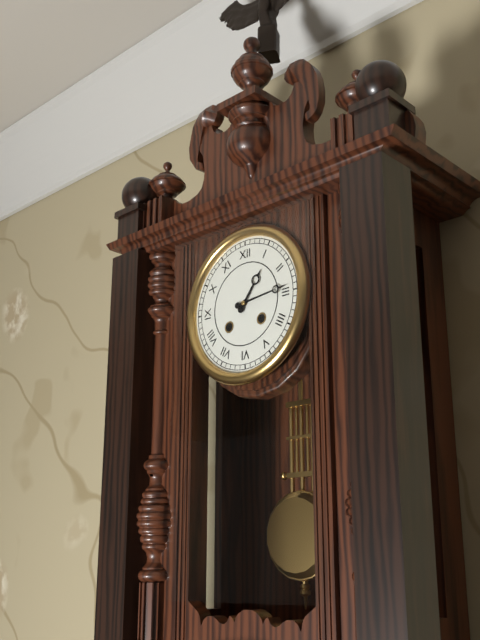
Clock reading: 1h14
